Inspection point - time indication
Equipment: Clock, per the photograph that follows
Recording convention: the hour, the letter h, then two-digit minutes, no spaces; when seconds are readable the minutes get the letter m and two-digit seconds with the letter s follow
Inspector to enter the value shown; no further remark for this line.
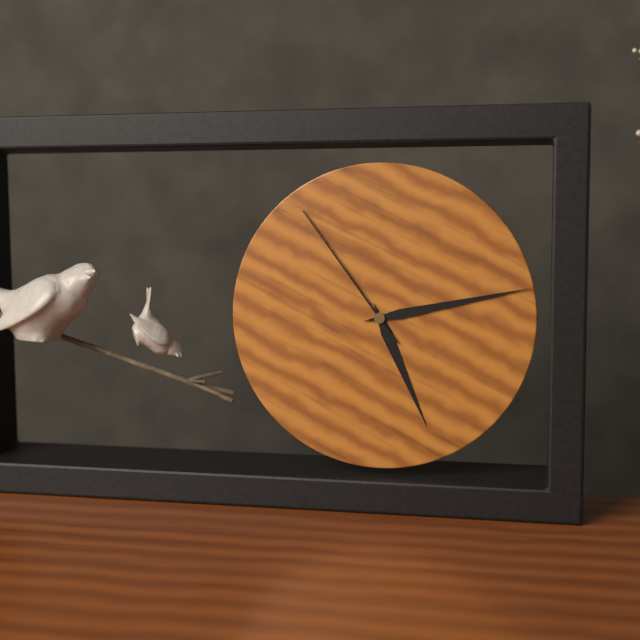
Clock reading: 5h13m54s
